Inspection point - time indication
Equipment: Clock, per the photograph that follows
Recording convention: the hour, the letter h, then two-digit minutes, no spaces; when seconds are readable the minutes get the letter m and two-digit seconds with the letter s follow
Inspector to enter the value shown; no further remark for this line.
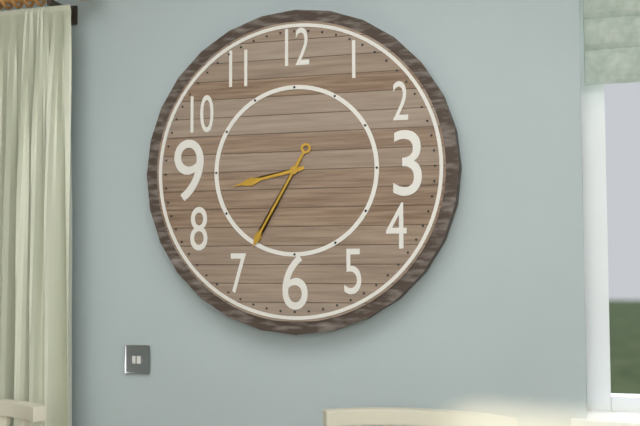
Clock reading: 8h35
